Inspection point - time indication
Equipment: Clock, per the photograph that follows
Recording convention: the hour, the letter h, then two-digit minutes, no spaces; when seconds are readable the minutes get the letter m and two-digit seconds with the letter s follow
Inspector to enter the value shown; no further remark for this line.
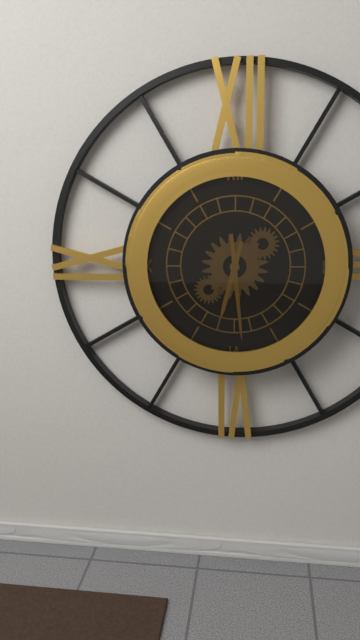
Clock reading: 6h29
